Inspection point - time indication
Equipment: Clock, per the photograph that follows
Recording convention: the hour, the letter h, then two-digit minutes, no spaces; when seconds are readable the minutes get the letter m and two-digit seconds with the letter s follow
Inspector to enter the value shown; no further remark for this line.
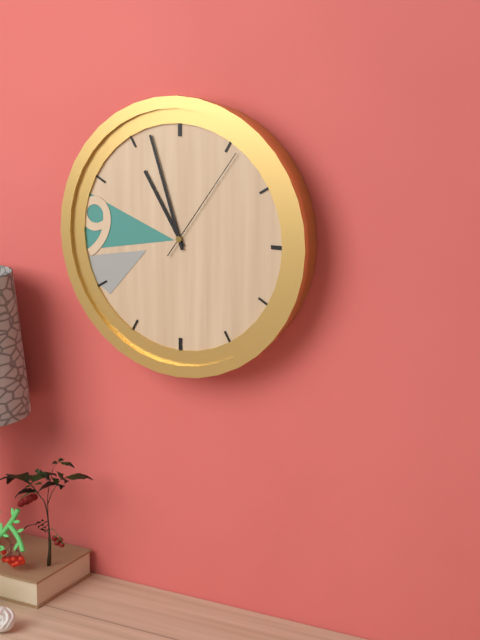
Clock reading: 10h57m06s
